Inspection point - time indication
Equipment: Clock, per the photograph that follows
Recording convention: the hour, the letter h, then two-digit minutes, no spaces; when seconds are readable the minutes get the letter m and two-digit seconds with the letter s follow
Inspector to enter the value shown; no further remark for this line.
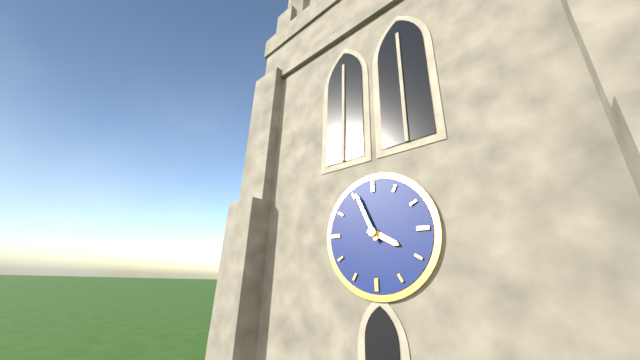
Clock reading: 3h56
